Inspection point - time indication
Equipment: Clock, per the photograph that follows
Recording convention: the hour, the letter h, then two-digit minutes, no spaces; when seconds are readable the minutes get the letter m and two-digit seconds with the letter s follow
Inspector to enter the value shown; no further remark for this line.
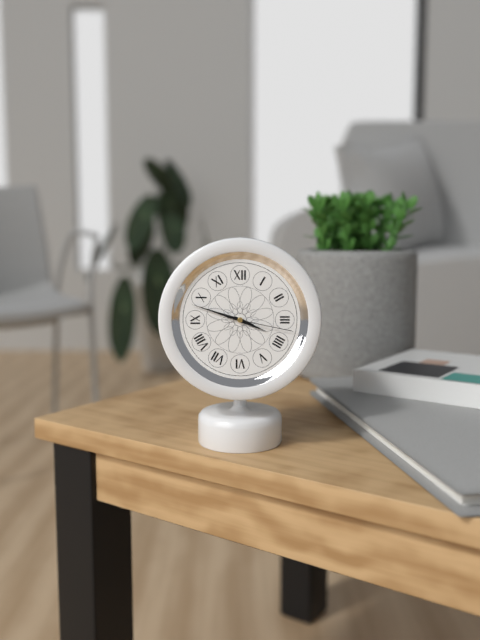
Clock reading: 3h48m17s
